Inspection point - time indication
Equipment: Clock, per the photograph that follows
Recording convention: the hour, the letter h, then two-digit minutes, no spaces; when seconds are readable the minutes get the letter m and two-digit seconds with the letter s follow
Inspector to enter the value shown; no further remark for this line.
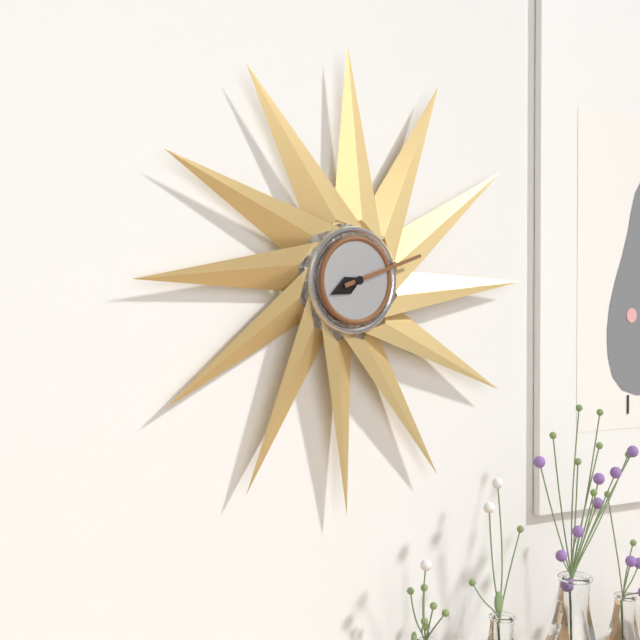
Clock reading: 8h12
